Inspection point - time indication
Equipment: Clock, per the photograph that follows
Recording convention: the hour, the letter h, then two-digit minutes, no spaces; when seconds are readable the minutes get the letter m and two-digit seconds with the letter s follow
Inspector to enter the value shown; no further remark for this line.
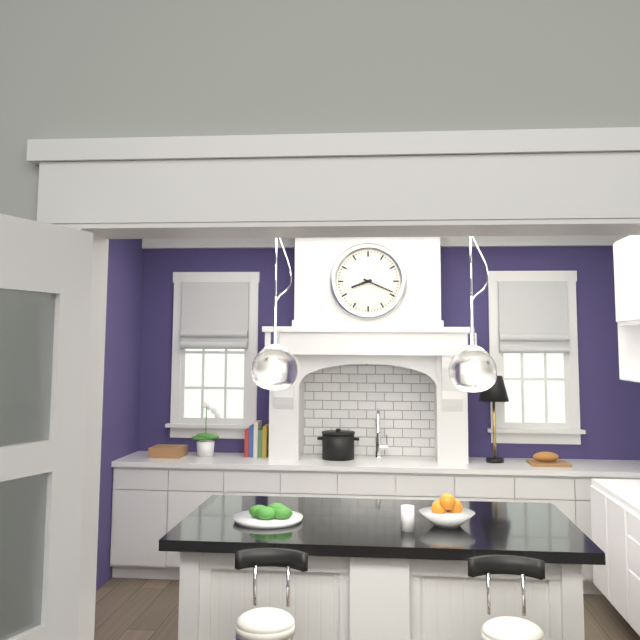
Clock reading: 8h19
